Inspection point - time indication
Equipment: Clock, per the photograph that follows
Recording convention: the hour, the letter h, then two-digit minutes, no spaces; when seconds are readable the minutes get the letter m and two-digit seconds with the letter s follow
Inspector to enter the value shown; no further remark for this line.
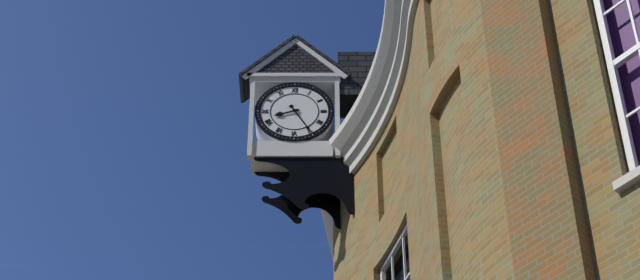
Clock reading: 8h25
